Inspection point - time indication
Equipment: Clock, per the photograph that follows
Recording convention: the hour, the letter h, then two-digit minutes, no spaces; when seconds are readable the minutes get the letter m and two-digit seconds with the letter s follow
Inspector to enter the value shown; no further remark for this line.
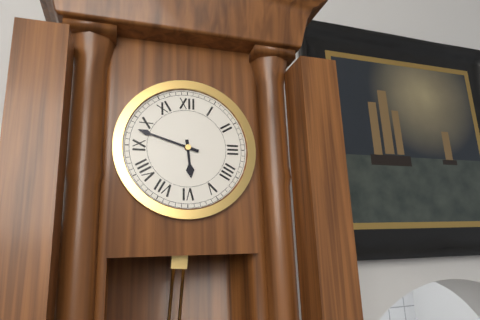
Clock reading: 5h48
